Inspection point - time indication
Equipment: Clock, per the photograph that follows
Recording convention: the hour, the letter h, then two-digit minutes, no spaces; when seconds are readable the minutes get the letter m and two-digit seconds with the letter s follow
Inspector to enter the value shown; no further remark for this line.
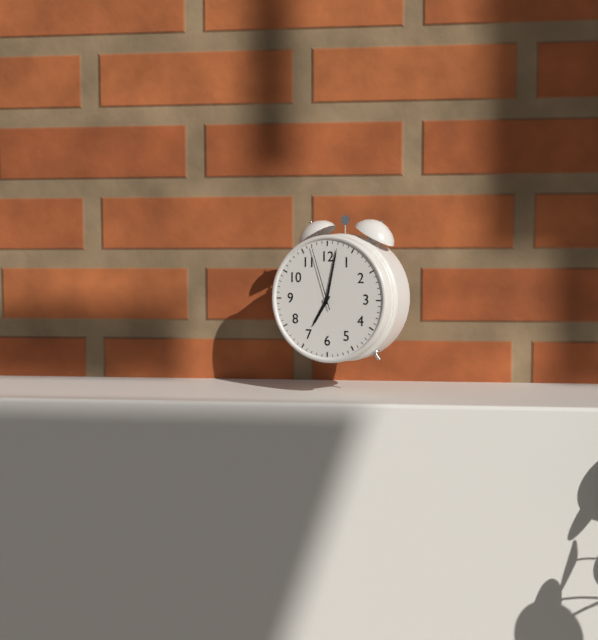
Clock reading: 7h02m57s
